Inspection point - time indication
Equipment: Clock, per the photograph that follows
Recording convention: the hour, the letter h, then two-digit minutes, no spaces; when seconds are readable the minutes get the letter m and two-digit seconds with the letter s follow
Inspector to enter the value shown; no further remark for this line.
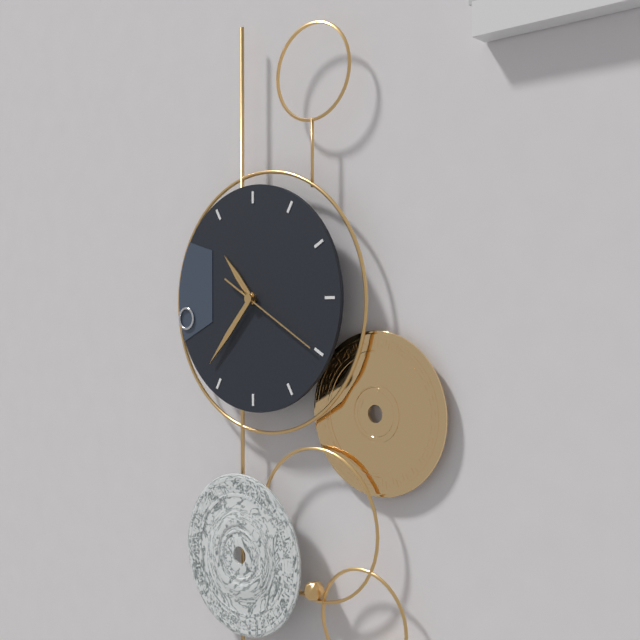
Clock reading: 10h37m20s
